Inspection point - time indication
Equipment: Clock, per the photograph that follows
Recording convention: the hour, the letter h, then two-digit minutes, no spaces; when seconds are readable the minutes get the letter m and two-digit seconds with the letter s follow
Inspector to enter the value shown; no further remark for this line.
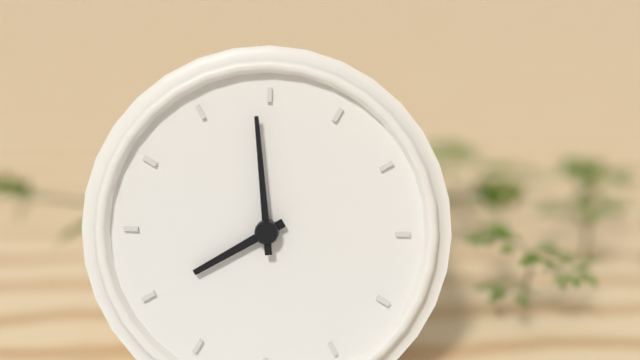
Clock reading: 7h59
